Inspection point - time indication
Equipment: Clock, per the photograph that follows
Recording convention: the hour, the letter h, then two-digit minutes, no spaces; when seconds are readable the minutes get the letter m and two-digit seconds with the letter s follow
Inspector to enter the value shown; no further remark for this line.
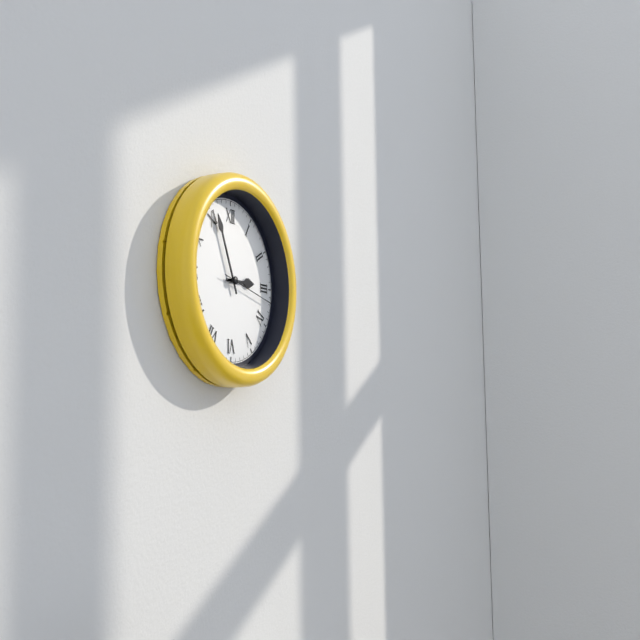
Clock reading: 2h56m17s
